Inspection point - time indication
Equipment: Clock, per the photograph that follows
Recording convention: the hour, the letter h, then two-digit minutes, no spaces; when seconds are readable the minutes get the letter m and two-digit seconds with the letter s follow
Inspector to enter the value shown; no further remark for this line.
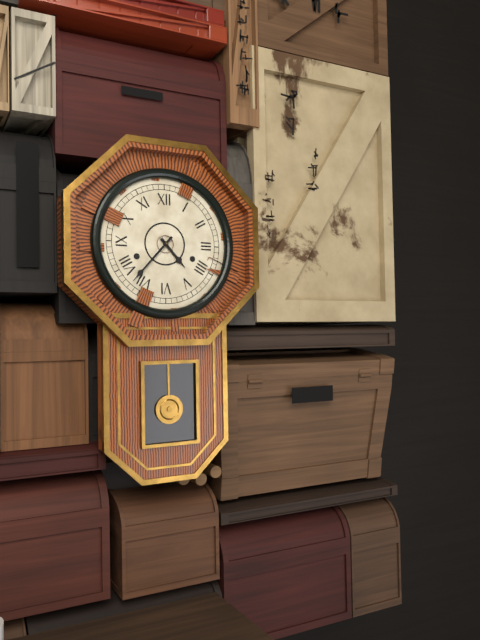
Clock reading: 4h37
